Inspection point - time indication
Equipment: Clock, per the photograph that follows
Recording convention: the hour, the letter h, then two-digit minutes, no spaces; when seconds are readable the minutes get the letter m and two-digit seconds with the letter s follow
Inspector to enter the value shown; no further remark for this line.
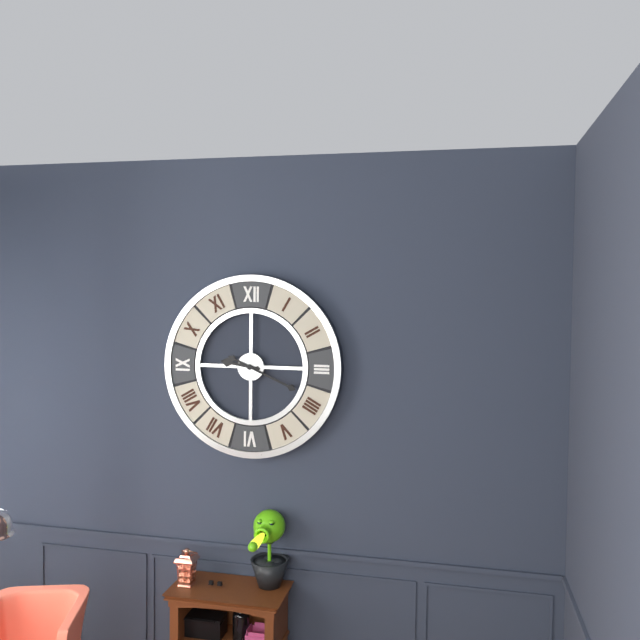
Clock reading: 9h19
